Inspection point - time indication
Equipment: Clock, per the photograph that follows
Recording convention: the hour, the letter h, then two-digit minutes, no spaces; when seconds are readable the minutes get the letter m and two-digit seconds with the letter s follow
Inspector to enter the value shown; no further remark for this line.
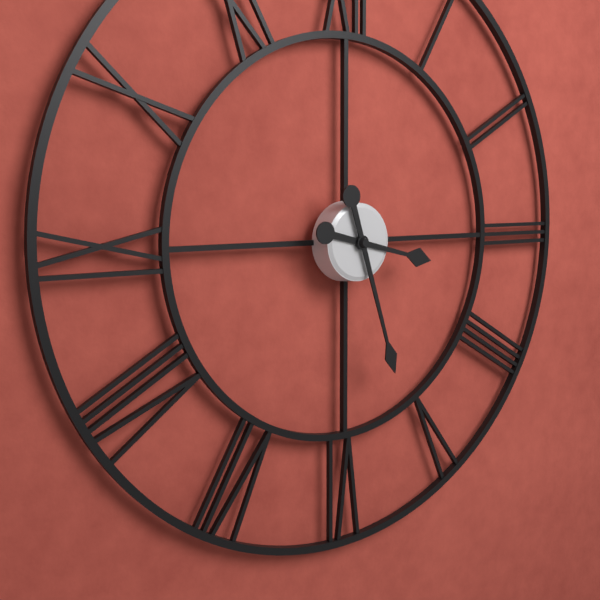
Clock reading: 3h27
